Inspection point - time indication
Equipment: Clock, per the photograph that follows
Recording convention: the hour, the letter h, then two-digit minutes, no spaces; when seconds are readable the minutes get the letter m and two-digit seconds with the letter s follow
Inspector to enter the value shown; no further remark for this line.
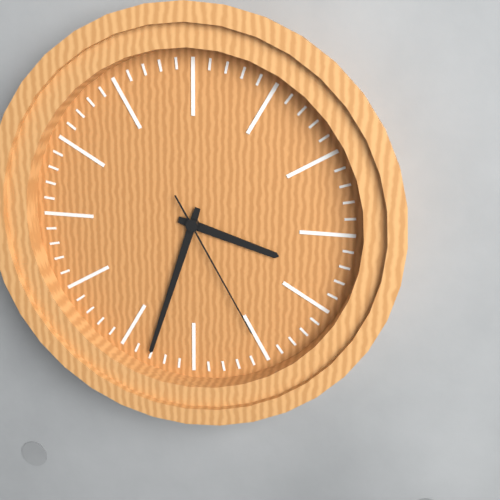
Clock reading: 3h33m25s
